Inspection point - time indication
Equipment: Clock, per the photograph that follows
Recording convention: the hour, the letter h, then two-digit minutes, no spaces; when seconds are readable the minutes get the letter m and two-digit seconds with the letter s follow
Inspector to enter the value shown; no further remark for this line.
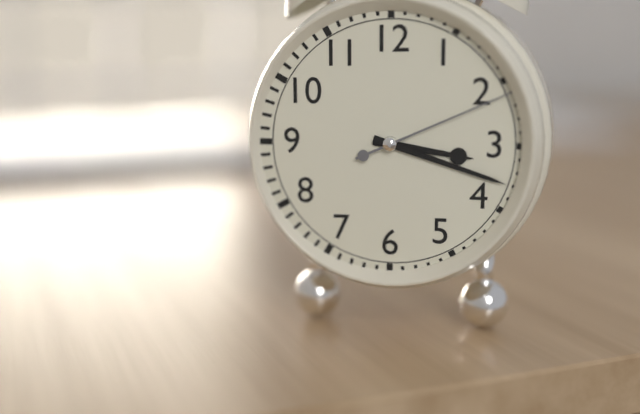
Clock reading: 3h18m11s
